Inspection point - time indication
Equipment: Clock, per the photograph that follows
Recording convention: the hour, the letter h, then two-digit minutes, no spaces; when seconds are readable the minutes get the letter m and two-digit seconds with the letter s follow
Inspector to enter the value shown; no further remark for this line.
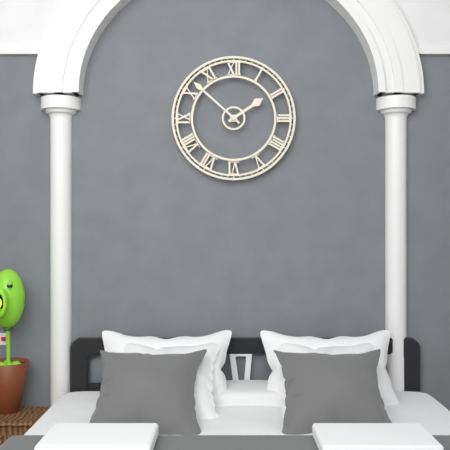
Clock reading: 1h52
